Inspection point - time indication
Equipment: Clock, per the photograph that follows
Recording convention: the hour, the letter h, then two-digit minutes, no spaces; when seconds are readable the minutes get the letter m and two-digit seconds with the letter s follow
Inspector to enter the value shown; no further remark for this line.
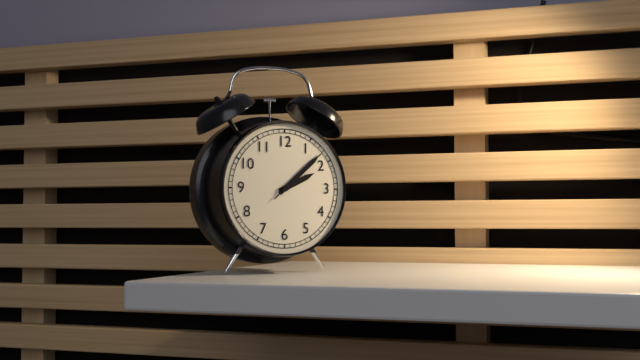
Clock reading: 2h08m08s
